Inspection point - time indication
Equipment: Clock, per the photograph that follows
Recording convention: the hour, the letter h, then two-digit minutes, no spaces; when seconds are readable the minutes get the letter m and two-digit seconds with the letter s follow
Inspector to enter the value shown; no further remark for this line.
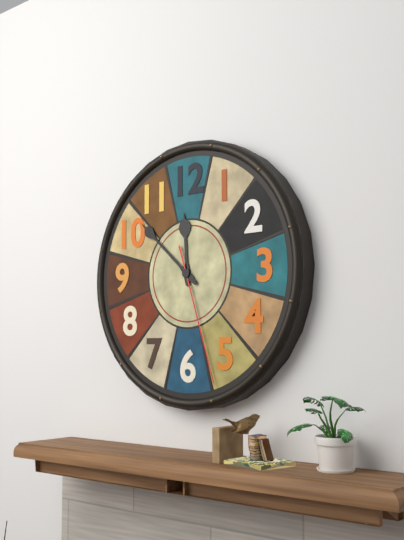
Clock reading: 11h52m27s
